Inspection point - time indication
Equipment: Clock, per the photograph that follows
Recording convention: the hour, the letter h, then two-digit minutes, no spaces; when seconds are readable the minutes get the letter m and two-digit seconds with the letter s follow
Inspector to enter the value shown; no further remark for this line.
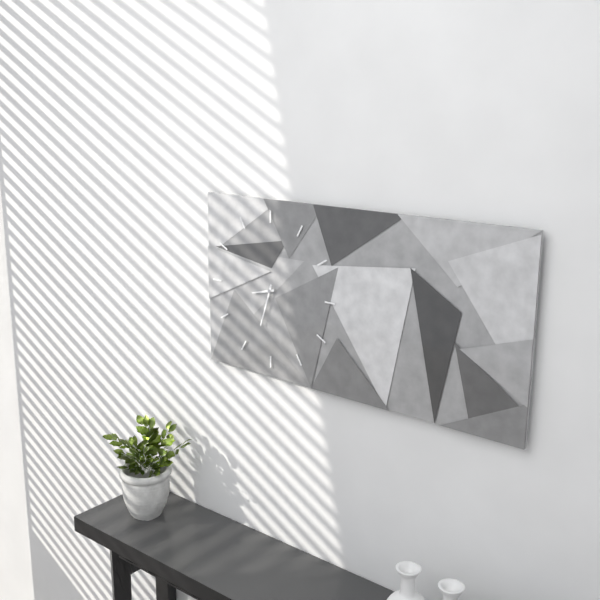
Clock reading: 8h33
